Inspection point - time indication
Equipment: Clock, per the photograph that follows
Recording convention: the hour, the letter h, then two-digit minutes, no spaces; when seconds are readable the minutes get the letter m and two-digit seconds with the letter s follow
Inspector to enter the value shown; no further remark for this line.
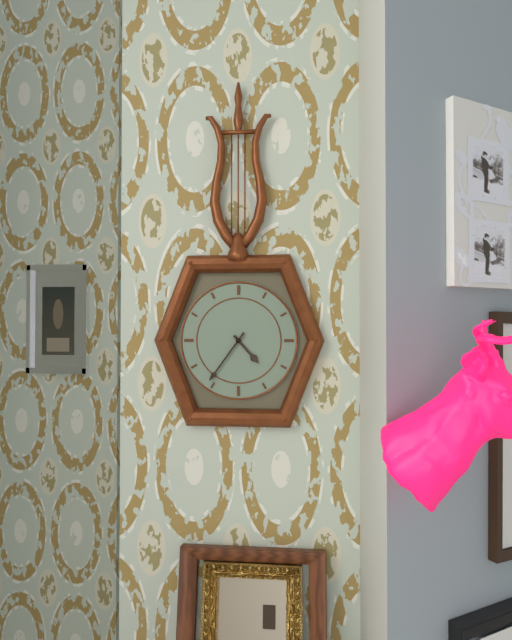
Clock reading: 4h36
